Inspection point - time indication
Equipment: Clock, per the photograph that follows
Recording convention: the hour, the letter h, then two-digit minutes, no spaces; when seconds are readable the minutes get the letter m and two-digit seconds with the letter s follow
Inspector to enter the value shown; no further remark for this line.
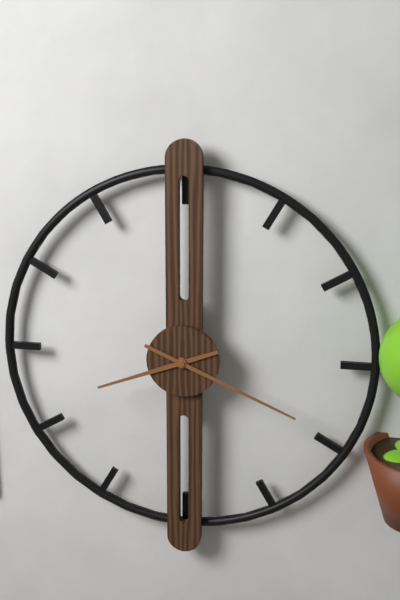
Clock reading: 8h19
